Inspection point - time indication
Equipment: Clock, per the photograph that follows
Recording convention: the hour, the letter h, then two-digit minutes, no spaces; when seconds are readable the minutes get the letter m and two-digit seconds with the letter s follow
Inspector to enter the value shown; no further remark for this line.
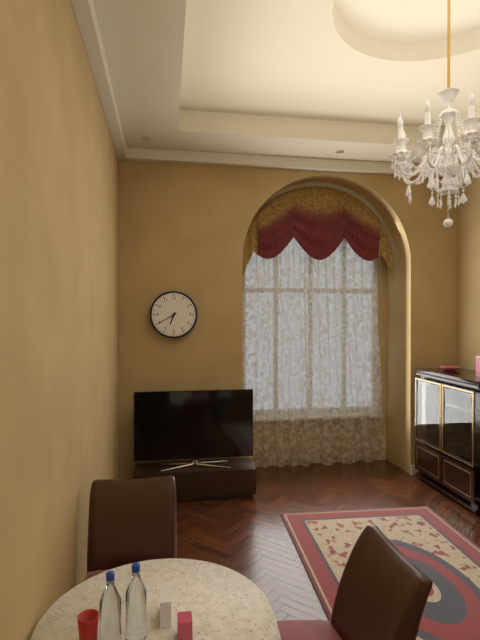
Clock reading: 6h40
